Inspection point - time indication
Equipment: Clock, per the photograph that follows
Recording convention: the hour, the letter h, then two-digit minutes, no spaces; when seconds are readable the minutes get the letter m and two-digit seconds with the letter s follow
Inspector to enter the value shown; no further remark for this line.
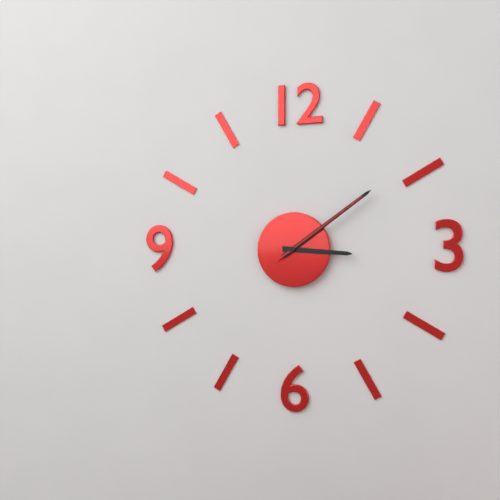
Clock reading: 3h09m09s
